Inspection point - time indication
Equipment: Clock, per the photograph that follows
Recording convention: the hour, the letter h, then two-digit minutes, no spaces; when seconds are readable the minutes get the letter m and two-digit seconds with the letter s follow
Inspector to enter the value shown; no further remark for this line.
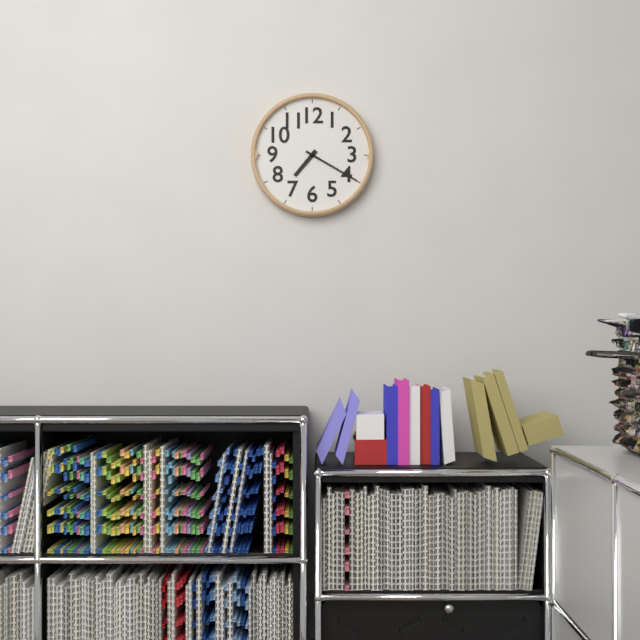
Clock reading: 7h20
